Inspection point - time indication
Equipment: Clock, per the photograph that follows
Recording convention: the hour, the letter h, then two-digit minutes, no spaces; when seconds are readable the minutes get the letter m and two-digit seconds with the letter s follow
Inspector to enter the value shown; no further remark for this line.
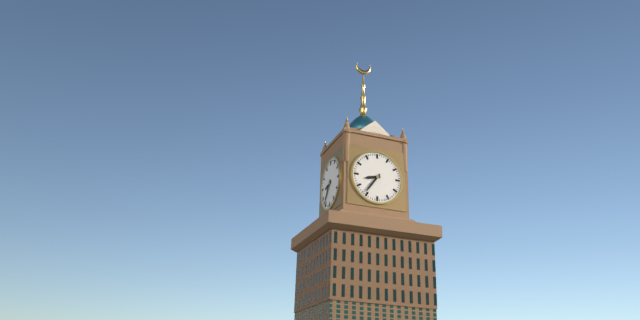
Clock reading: 8h36
